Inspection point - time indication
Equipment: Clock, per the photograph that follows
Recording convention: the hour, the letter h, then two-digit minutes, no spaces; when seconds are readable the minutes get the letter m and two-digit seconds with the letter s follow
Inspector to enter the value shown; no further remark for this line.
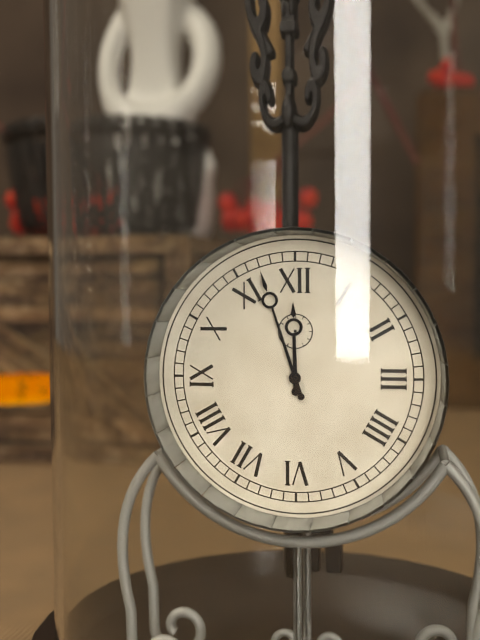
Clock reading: 11h57
